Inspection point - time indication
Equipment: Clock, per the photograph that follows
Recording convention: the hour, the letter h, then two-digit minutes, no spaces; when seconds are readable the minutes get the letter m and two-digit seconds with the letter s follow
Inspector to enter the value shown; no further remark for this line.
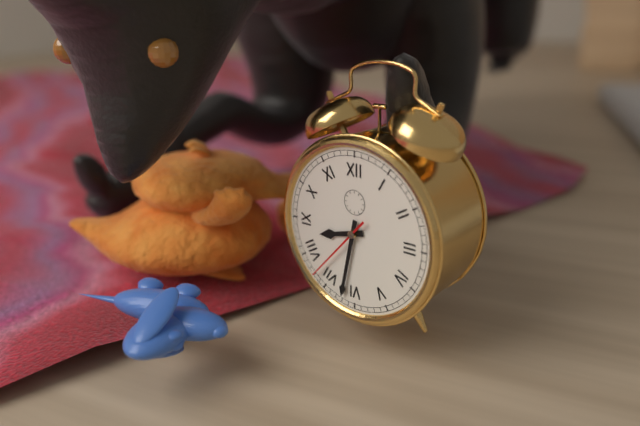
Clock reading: 8h32m37s
